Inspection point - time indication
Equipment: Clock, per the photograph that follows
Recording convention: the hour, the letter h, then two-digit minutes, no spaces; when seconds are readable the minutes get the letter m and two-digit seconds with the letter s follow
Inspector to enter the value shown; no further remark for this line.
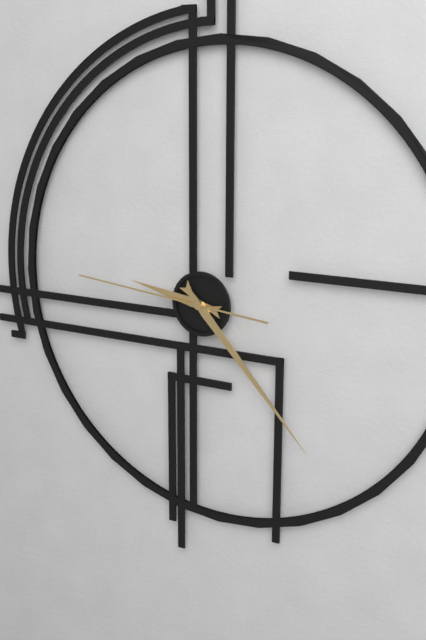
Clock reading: 9h23m46s
